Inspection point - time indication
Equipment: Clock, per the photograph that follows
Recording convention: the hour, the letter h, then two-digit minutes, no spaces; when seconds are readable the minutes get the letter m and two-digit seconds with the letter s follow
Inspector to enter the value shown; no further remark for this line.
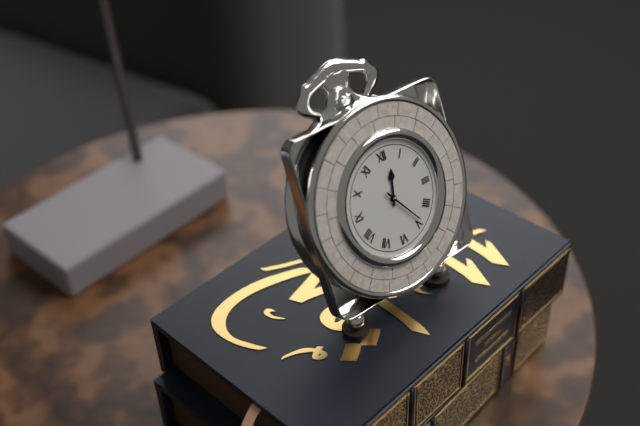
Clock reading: 12h24
